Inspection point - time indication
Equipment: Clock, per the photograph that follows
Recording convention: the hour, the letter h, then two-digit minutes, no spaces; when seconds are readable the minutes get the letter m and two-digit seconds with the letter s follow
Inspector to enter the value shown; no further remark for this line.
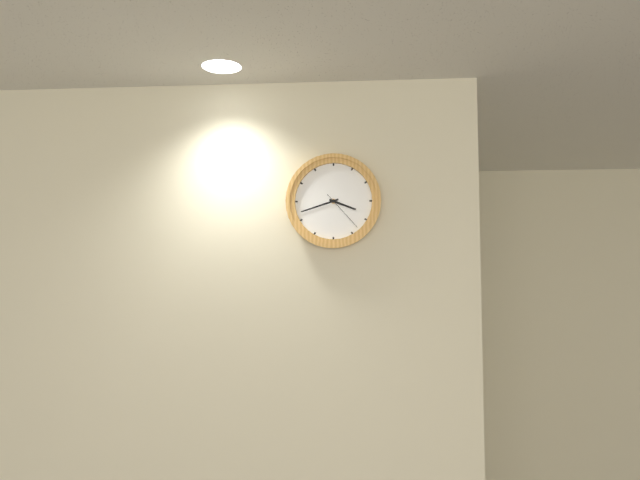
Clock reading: 3h42
